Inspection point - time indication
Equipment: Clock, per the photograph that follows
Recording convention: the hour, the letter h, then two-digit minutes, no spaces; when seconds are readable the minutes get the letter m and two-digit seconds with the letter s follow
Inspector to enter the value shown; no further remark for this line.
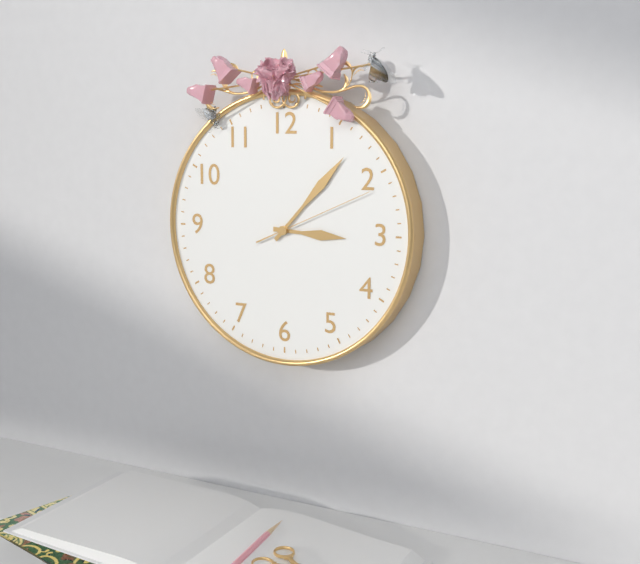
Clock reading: 3h07m11s
